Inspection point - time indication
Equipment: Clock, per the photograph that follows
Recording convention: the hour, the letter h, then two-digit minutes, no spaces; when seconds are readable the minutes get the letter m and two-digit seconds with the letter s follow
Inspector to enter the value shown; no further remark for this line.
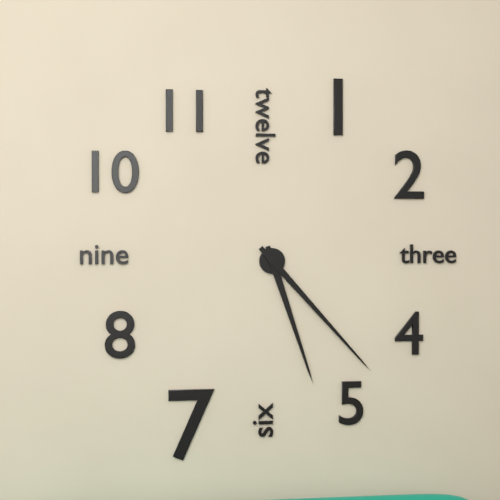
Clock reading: 5h23
